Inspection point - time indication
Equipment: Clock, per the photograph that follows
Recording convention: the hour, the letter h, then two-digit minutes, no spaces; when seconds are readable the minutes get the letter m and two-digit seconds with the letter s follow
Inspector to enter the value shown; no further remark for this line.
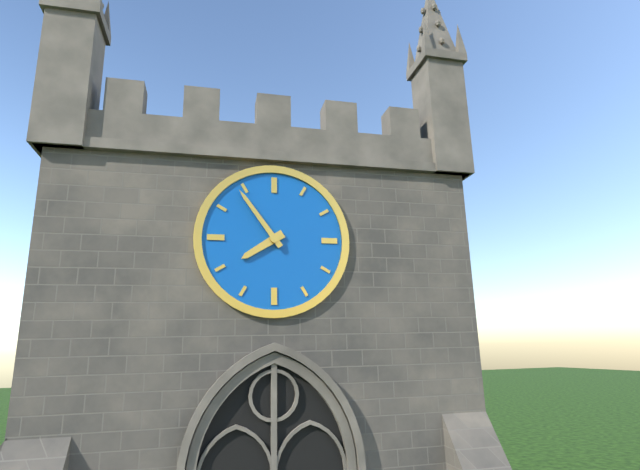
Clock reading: 7h54
